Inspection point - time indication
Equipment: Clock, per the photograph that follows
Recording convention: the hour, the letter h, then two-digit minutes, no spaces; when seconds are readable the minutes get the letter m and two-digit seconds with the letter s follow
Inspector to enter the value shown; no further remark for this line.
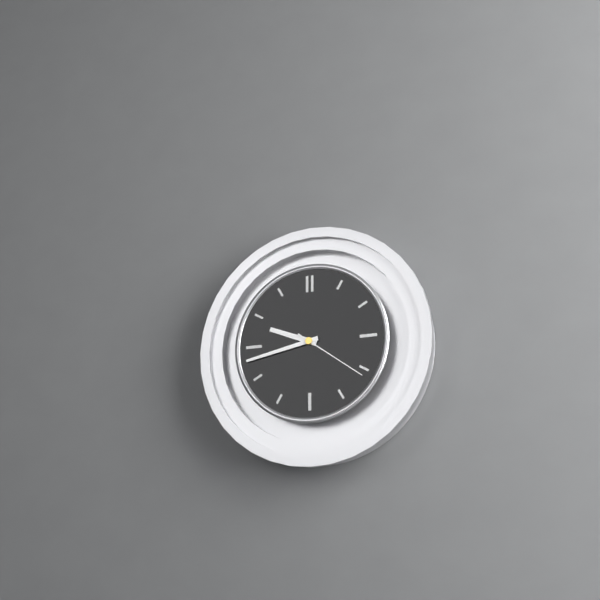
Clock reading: 9h43m21s
